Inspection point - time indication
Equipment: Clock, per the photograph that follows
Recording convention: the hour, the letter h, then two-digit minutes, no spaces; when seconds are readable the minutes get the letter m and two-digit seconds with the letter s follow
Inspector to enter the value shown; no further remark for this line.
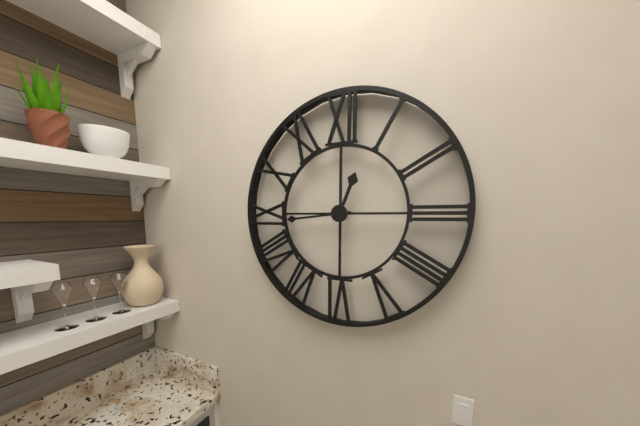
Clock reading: 12h44
